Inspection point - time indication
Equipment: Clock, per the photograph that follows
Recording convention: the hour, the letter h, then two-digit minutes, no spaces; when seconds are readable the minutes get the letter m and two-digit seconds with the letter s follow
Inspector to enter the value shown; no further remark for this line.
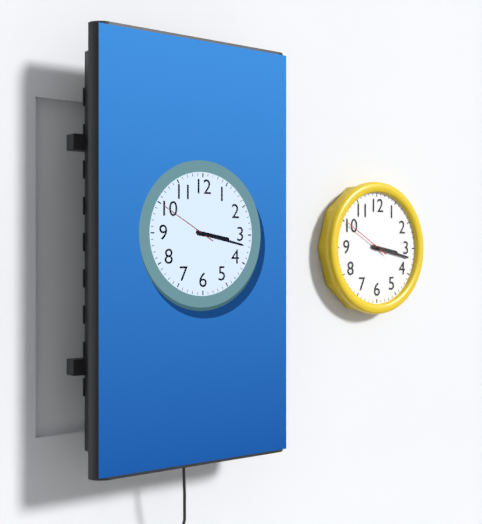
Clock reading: 3h17m50s
